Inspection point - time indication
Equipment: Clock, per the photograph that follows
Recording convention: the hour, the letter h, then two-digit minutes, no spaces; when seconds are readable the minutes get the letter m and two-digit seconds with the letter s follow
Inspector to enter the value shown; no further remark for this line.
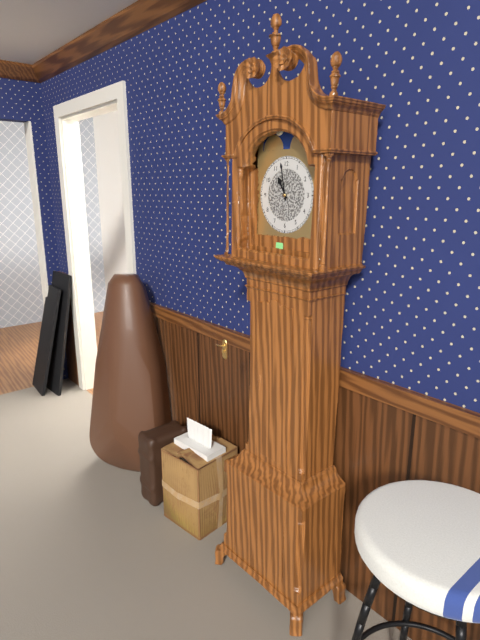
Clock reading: 10h58
